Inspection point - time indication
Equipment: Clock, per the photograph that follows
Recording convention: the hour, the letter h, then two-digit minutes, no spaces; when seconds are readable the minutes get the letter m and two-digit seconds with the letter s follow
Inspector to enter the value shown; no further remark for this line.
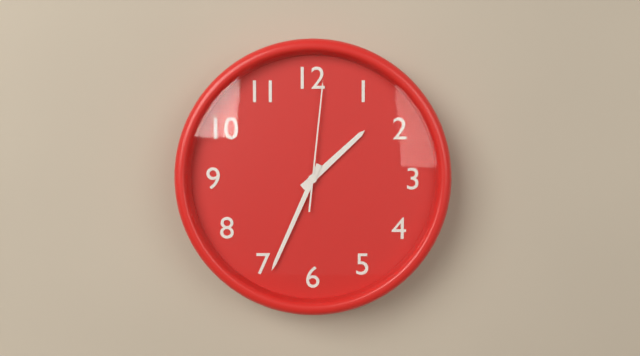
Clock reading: 1h34m01s
